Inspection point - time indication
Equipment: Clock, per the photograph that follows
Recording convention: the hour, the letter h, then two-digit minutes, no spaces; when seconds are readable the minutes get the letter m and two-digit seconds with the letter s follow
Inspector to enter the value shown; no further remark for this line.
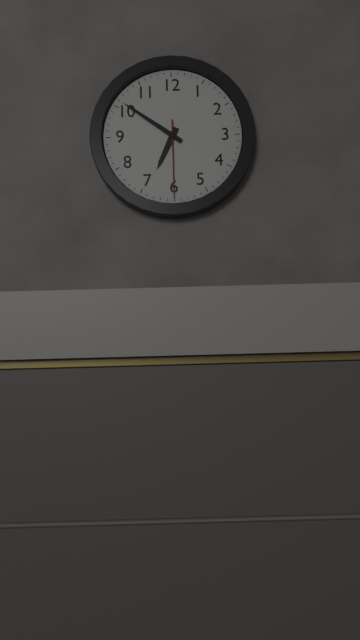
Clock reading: 6h51m30s
